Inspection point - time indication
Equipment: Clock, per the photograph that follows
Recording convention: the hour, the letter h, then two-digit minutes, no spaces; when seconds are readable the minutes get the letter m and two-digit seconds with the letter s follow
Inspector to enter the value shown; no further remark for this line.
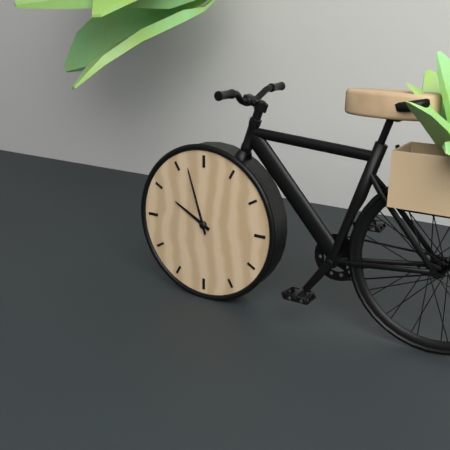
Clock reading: 9h57
